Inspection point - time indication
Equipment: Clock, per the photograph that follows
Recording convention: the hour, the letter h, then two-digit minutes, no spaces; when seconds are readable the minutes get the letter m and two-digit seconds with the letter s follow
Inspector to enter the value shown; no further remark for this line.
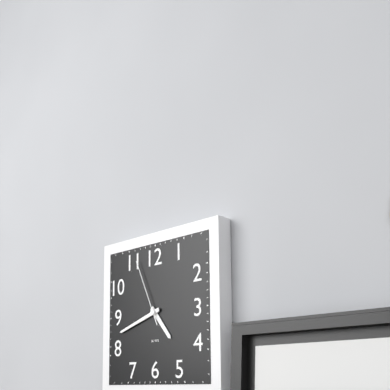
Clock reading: 4h42m56s
